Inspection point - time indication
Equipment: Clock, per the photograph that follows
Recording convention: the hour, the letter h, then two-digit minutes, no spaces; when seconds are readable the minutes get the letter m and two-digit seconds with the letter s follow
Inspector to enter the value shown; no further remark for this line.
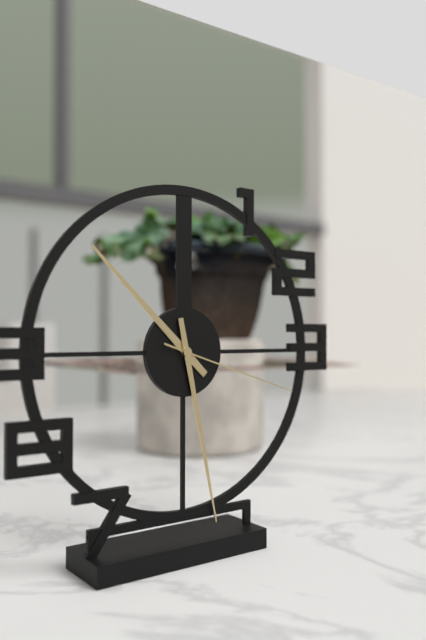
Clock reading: 10h28m18s
